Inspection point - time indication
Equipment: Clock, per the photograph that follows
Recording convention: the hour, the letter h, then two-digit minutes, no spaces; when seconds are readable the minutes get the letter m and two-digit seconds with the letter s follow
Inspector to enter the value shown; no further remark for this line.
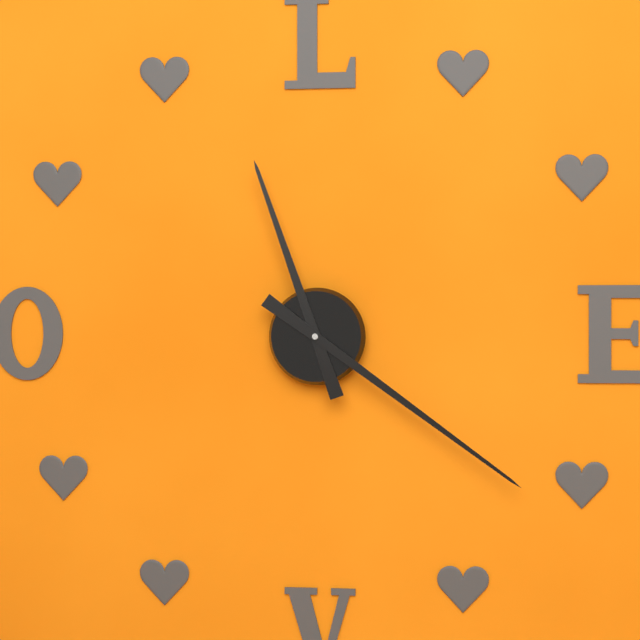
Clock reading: 11h21
